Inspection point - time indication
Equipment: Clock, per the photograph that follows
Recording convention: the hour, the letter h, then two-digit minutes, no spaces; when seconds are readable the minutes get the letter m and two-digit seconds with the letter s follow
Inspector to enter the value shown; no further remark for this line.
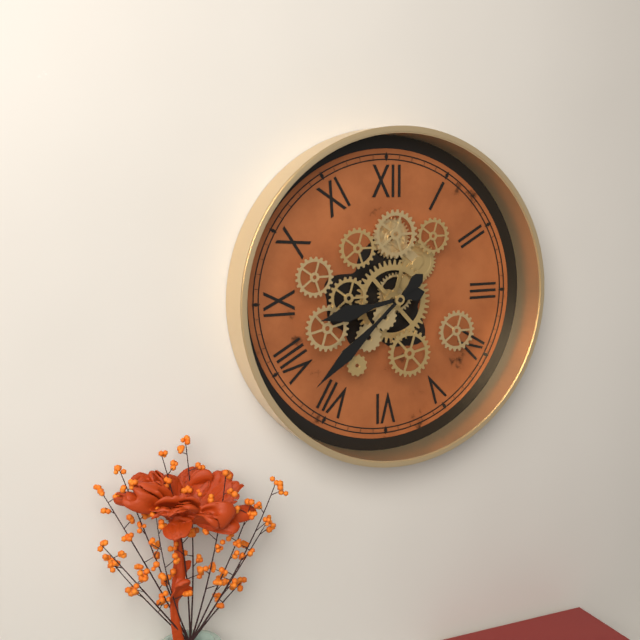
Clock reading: 8h38
